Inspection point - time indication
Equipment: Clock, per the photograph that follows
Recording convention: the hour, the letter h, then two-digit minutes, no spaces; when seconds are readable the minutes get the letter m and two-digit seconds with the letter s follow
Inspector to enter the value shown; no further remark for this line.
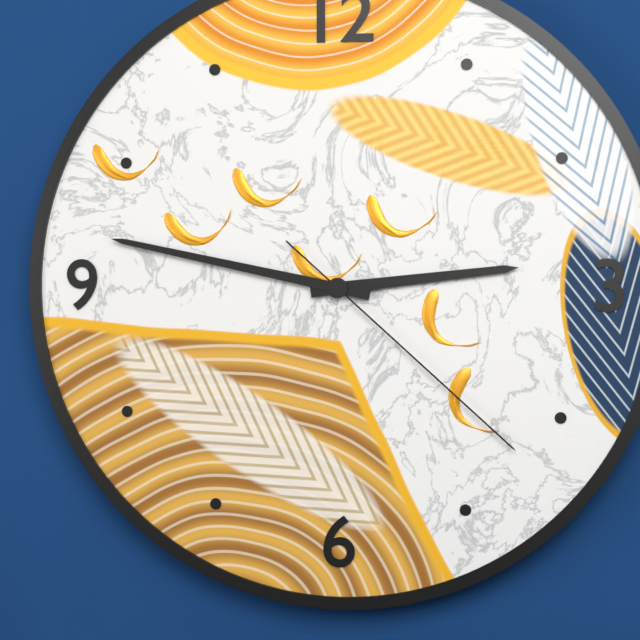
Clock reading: 2h47m22s
